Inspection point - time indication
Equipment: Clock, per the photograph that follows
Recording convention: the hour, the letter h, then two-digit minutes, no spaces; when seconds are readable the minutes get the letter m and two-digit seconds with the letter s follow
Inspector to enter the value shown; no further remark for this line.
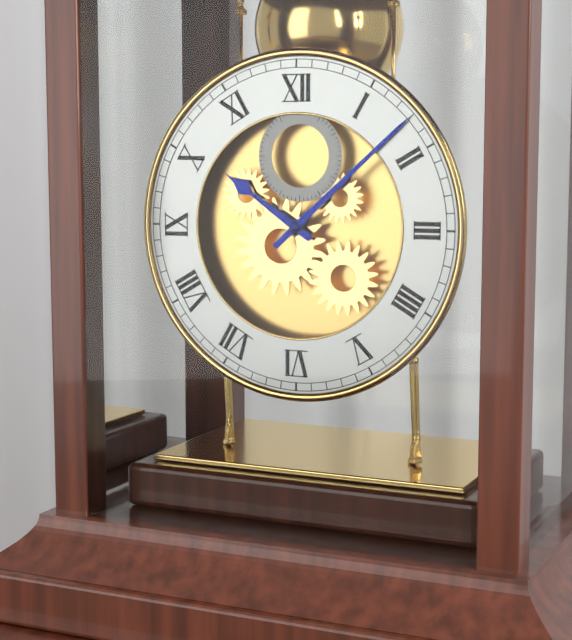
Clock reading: 10h08
